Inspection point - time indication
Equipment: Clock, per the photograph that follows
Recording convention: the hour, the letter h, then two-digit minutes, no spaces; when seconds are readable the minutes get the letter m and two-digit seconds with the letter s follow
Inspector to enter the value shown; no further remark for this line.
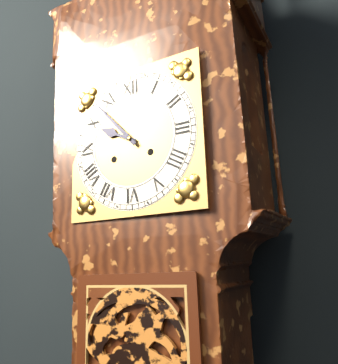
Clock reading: 9h53
